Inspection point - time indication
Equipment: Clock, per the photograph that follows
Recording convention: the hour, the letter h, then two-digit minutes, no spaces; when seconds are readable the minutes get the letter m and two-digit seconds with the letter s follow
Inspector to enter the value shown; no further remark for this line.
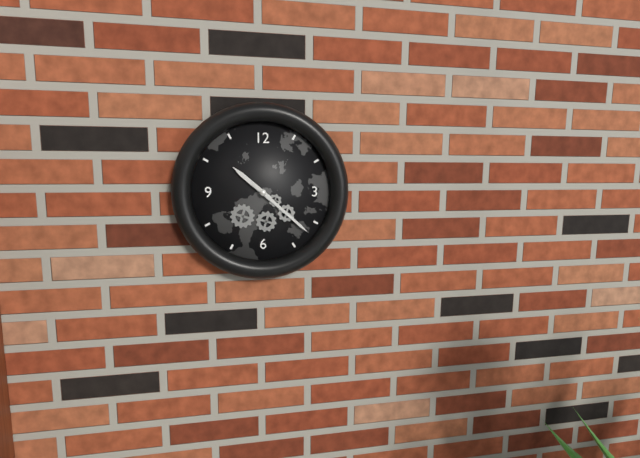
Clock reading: 10h22
